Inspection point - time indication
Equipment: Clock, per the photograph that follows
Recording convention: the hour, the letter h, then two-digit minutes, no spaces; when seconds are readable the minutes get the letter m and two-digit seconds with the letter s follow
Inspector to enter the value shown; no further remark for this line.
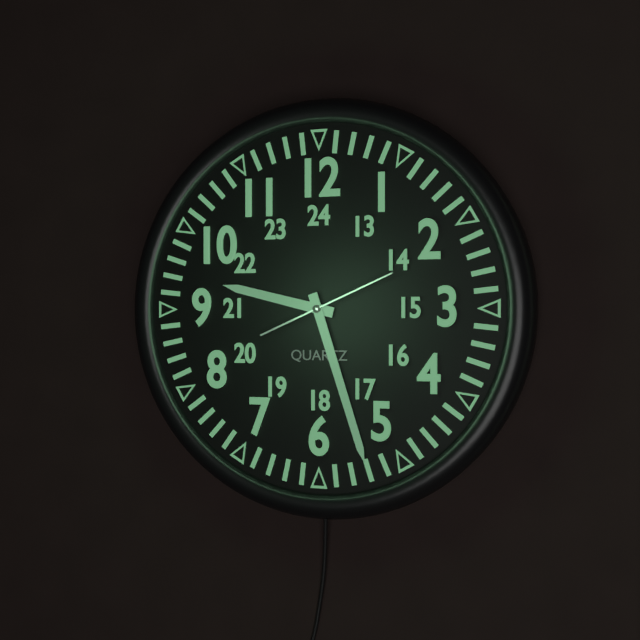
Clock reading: 9h27m11s
